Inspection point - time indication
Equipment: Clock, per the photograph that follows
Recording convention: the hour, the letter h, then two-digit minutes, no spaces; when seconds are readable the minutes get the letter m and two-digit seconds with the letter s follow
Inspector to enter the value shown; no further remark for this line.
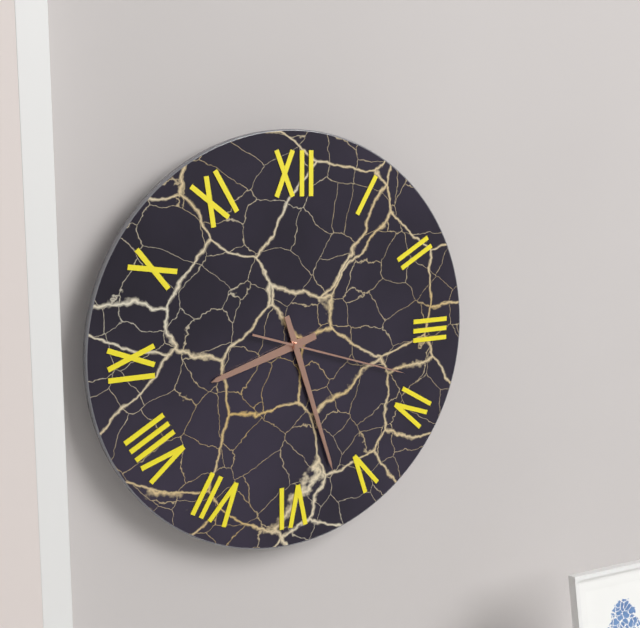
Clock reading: 8h27m18s
